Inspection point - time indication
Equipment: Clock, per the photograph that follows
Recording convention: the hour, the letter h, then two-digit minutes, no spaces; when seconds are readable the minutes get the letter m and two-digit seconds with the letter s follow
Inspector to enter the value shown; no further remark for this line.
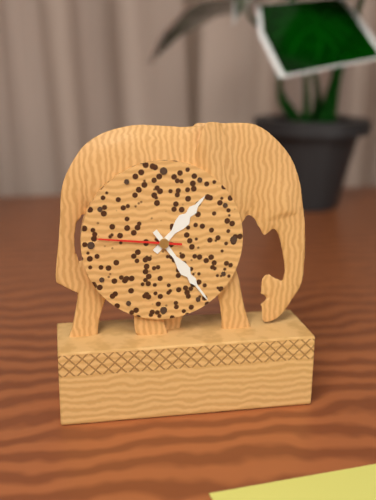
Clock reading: 1h24m46s
